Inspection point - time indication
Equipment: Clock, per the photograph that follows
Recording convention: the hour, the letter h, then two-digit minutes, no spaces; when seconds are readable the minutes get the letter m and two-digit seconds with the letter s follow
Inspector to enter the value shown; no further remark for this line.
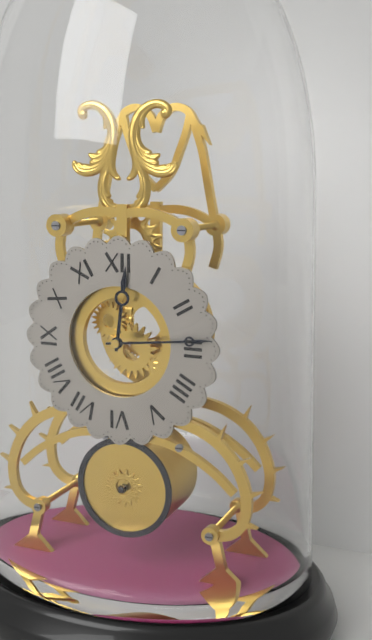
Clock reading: 12h14
